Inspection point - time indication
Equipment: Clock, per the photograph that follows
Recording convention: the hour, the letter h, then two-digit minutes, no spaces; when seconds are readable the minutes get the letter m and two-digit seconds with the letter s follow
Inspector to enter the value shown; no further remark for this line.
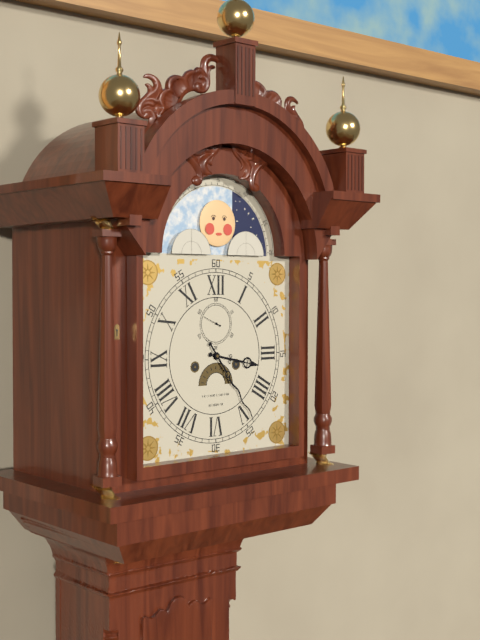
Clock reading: 3h24
